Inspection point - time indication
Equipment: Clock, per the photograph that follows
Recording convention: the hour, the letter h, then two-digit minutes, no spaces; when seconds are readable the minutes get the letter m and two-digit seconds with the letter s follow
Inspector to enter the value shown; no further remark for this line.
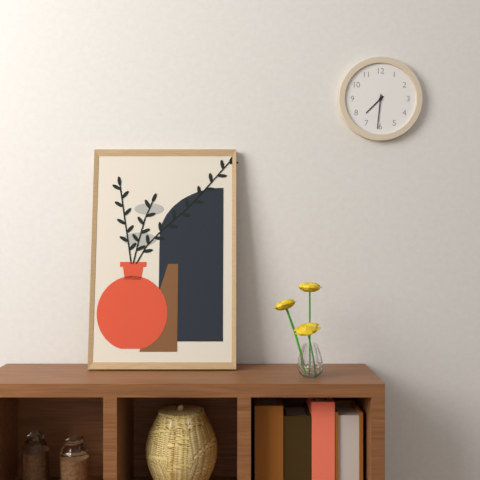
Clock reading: 7h31
